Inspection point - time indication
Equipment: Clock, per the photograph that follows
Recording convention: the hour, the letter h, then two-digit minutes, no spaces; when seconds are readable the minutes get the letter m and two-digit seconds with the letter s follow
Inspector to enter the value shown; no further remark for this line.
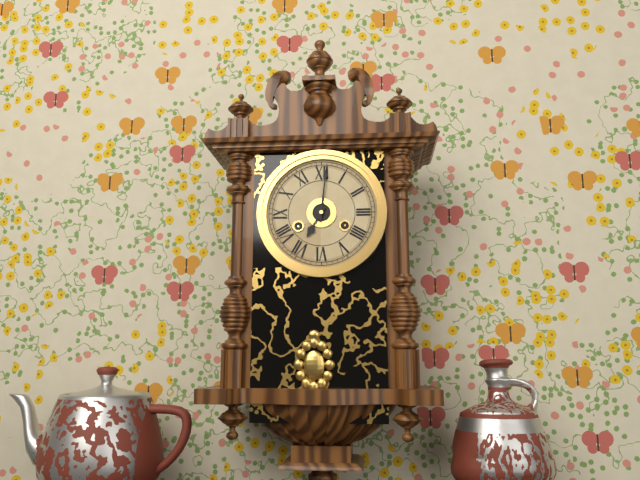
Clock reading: 7h01
